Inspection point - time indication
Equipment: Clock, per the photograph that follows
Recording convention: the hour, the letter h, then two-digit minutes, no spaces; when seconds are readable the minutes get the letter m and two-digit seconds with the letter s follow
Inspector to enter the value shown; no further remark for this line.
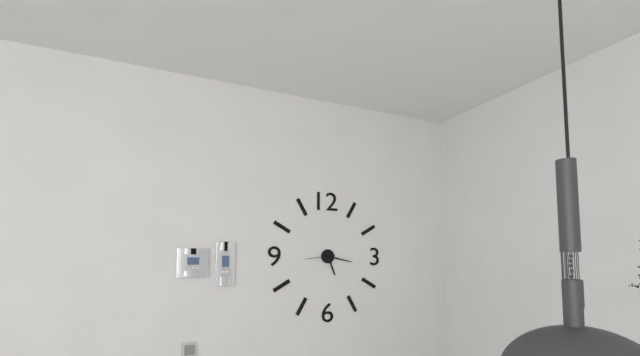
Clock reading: 5h17
